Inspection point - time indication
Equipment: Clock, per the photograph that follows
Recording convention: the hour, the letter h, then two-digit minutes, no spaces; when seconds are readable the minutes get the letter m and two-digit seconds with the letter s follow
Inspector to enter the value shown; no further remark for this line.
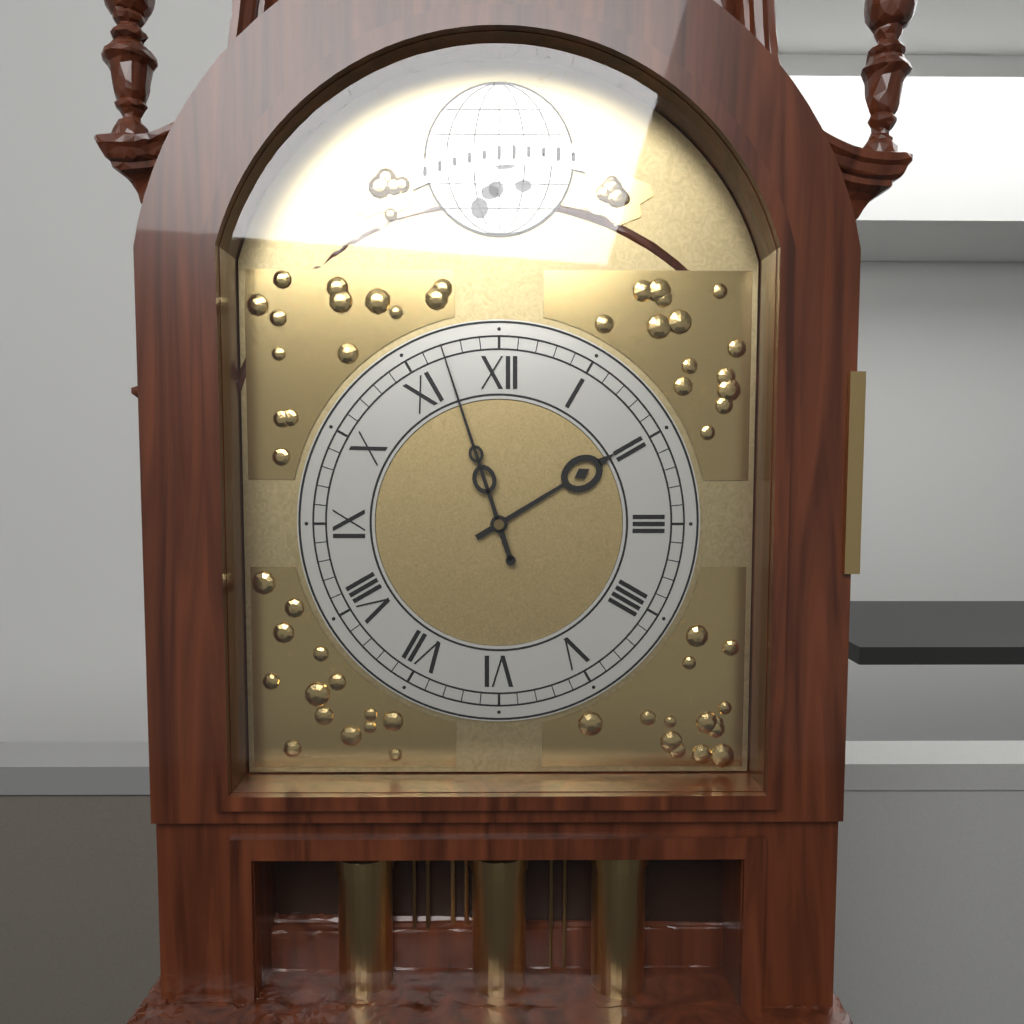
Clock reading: 1h57
